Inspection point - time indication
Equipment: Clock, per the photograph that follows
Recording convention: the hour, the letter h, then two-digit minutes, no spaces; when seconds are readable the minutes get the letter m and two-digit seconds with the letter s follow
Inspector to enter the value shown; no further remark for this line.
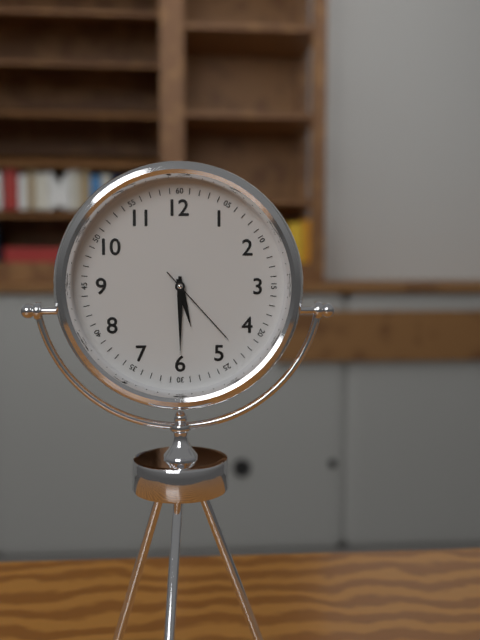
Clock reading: 5h30m23s
